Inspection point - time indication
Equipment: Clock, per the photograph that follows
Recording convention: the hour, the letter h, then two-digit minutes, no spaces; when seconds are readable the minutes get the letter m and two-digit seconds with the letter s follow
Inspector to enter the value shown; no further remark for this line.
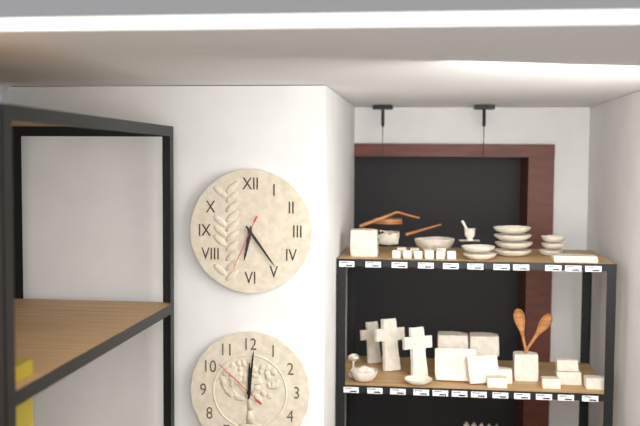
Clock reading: 6h24m34s
